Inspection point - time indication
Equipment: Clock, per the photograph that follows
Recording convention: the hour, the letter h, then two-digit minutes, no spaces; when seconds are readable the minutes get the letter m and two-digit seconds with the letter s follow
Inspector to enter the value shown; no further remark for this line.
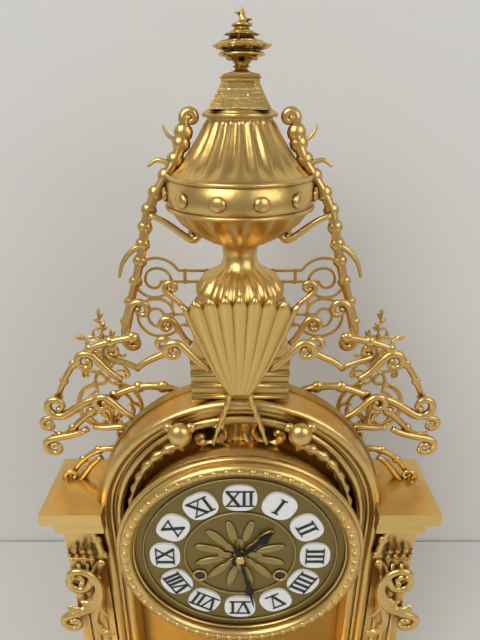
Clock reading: 1h28
